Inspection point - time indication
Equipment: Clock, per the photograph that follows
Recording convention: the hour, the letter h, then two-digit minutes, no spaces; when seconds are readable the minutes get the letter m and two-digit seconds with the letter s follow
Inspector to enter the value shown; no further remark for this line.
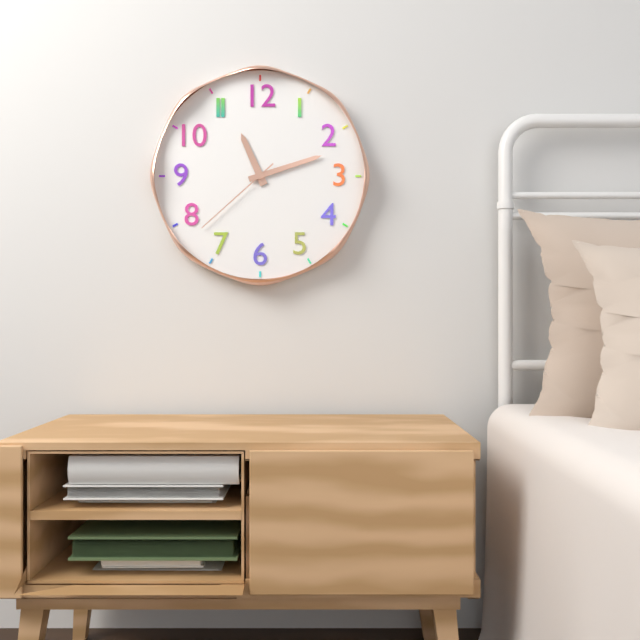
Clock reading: 11h12m38s
